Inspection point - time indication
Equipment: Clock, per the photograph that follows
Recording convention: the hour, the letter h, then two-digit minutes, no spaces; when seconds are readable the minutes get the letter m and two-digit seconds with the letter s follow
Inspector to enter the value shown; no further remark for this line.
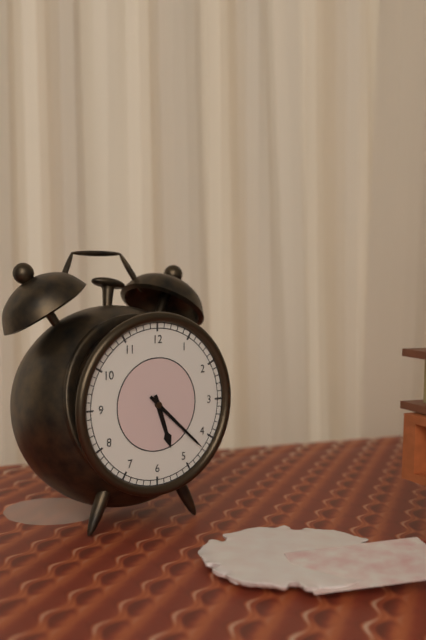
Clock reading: 5h22
